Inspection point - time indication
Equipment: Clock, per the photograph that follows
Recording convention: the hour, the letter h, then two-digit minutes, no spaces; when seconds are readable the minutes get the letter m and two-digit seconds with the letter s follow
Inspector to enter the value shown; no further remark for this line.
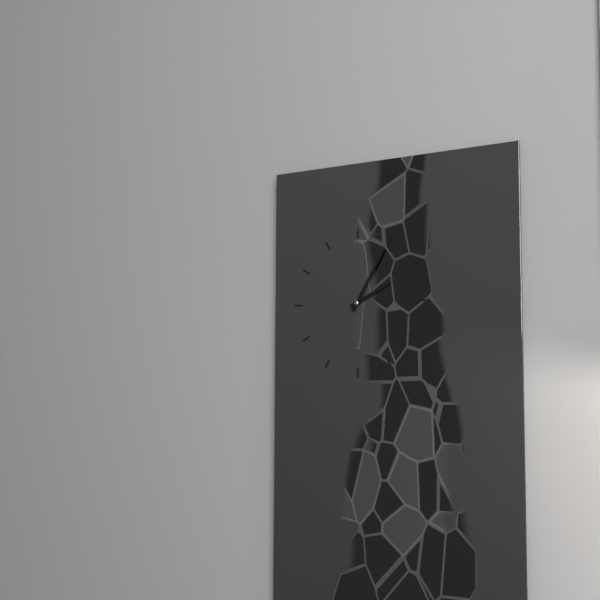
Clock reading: 2h05
